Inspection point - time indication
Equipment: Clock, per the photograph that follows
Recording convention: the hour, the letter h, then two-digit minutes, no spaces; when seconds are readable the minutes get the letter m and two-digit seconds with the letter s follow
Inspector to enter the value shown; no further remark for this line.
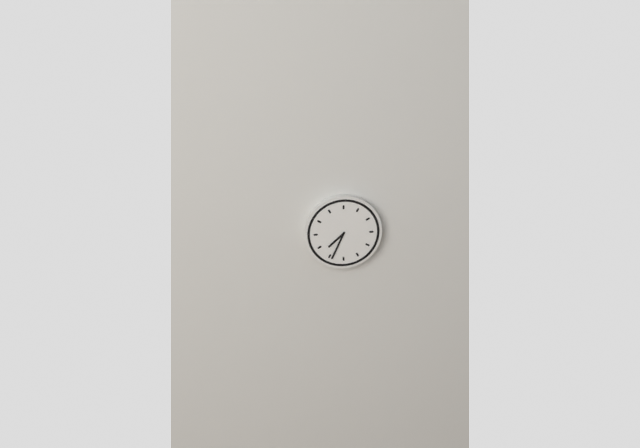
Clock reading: 7h34
